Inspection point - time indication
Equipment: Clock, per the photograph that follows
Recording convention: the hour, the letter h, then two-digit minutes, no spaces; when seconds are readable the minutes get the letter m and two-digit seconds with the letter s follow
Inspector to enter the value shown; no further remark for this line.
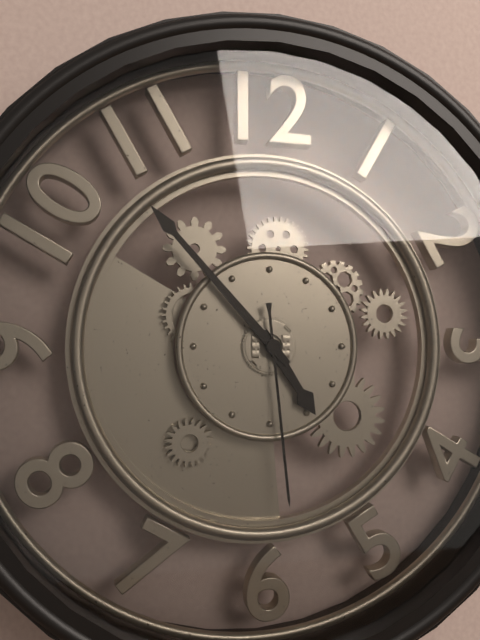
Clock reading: 4h53m29s
